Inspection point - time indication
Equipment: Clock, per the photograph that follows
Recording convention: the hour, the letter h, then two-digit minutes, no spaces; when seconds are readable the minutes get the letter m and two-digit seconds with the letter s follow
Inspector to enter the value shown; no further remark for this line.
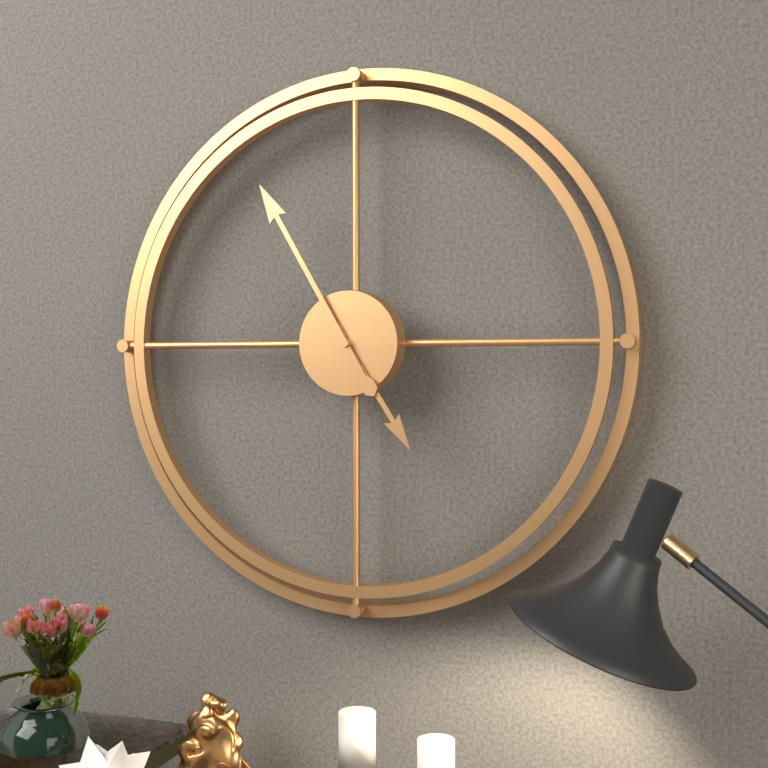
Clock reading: 4h55
